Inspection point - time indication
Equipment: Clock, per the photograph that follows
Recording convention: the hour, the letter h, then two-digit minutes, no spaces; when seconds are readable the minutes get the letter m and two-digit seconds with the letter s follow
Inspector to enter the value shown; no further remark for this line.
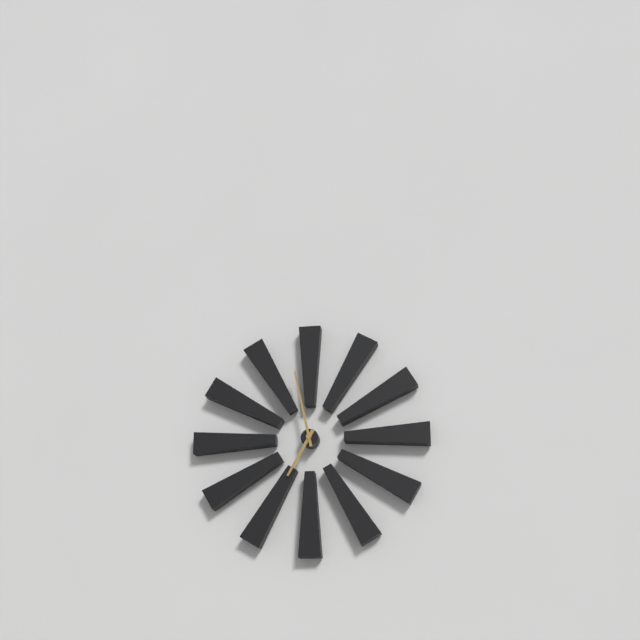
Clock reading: 6h58
